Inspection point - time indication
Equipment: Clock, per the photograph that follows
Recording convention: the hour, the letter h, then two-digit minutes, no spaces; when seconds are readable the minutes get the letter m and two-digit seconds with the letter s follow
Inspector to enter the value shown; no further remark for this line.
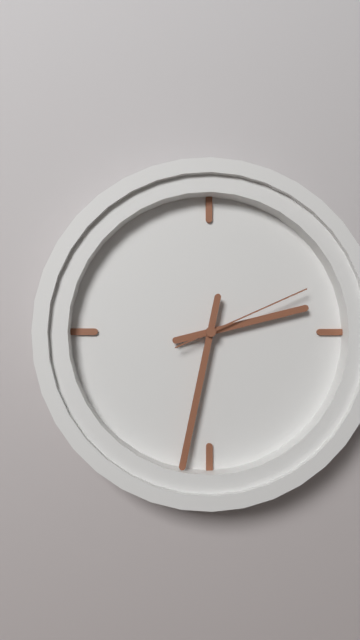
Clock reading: 2h32m11s
